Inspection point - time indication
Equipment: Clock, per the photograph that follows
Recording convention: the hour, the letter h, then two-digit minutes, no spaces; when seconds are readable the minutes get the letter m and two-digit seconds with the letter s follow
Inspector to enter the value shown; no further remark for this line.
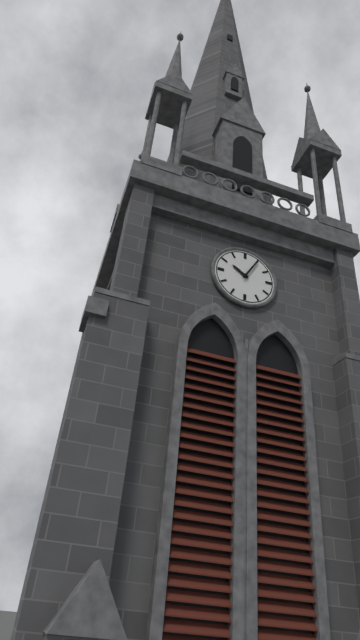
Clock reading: 10h05
